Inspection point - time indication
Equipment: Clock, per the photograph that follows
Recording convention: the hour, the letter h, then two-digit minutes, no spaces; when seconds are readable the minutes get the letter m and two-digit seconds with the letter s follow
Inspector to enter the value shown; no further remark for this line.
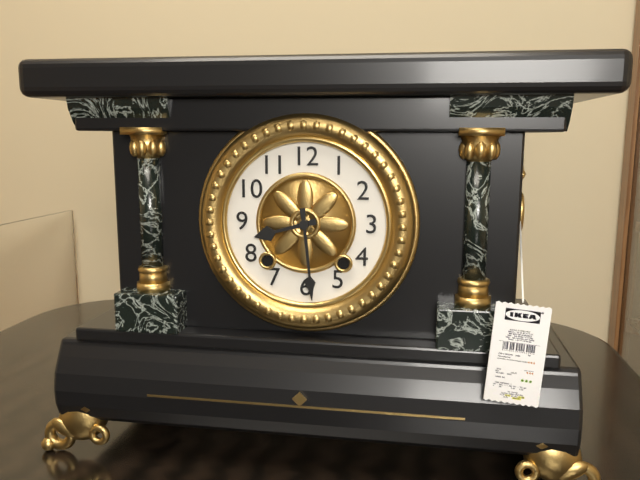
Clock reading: 8h29
